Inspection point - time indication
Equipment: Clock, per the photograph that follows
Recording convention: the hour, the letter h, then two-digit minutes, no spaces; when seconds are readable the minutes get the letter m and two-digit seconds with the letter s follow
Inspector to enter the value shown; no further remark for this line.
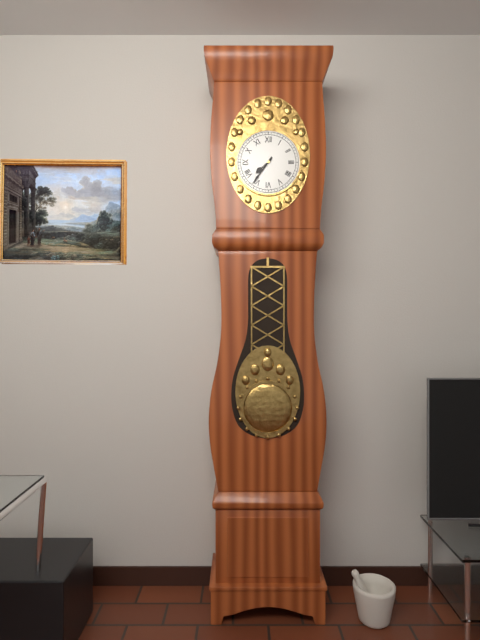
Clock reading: 7h36
